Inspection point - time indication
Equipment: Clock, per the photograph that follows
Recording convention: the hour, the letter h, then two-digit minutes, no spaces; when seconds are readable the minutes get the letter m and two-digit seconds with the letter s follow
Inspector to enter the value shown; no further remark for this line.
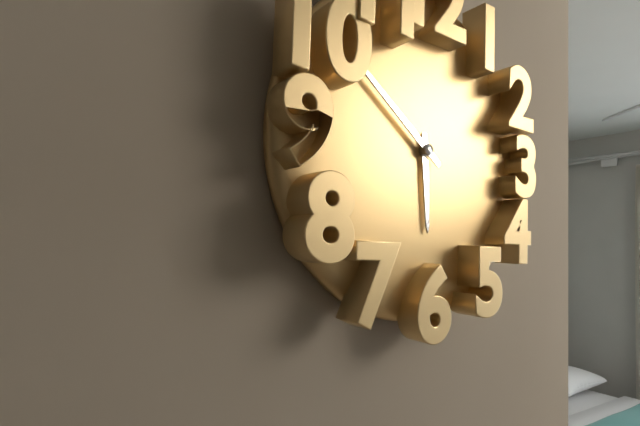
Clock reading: 5h51
